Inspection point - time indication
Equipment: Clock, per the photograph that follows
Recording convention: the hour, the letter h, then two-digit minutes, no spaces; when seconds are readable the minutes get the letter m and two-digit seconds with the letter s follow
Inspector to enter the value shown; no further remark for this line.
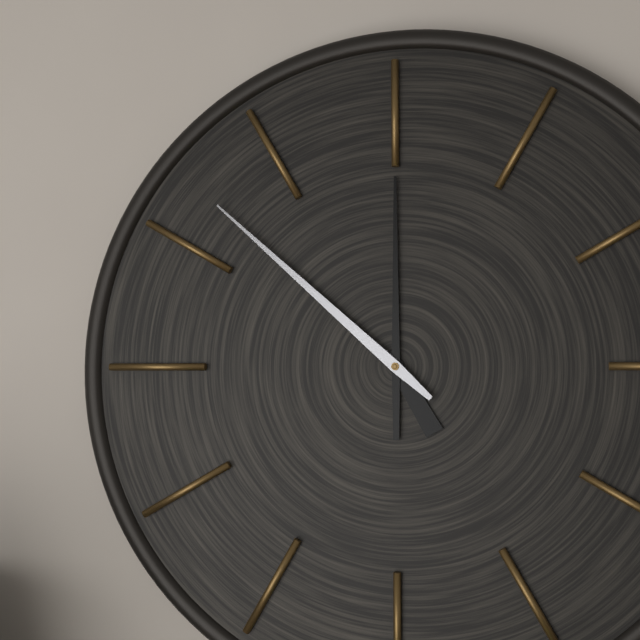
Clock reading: 5h00m52s
